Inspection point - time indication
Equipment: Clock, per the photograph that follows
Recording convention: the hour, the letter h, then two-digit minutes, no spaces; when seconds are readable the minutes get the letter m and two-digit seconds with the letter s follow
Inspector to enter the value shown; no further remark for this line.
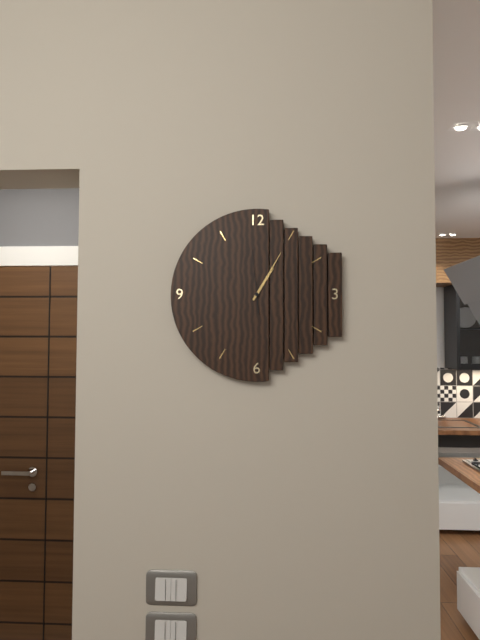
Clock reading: 1h05m59s
